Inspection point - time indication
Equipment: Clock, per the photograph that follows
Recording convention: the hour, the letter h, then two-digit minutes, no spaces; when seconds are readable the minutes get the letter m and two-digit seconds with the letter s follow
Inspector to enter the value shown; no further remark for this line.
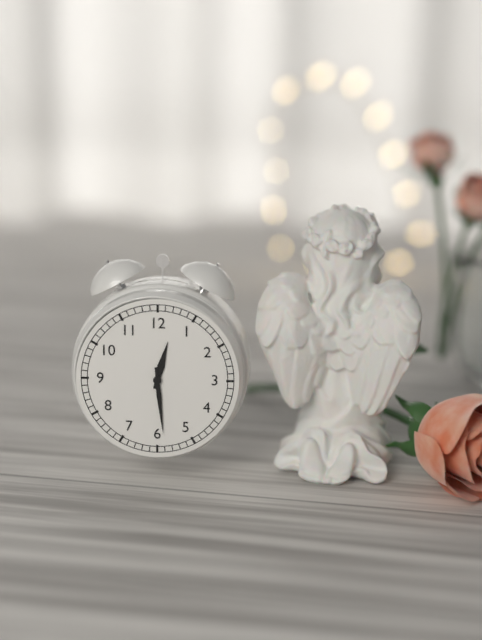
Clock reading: 12h29
